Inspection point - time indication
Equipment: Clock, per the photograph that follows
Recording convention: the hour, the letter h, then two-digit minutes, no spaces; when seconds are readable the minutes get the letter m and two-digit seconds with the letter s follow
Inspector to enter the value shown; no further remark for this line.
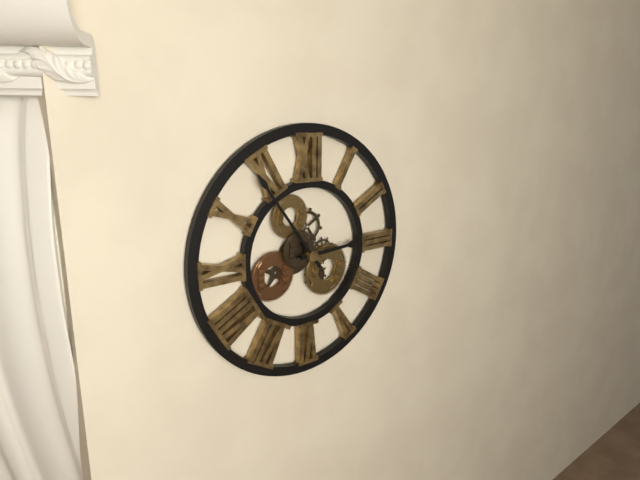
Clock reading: 2h54
